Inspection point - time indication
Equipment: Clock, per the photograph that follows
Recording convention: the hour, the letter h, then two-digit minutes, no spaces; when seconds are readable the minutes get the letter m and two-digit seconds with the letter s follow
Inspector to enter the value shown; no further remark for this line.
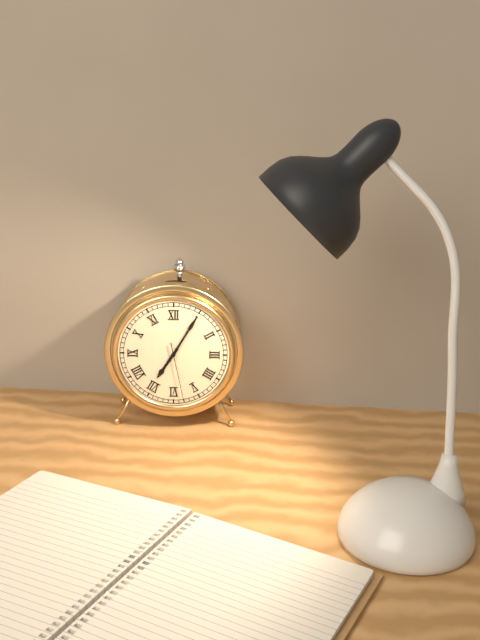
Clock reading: 7h05m28s
